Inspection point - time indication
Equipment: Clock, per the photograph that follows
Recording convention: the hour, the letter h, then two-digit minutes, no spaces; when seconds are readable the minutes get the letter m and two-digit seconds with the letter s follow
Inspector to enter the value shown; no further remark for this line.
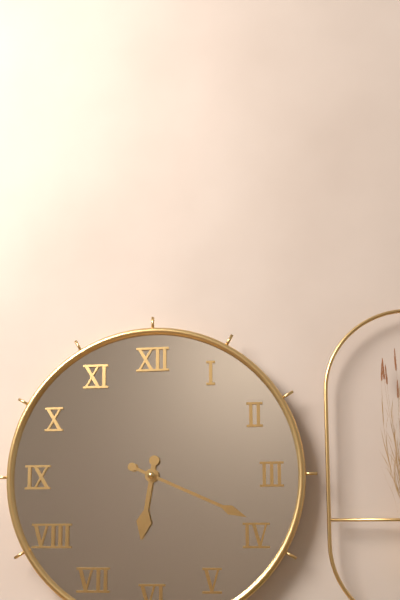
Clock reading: 6h19
